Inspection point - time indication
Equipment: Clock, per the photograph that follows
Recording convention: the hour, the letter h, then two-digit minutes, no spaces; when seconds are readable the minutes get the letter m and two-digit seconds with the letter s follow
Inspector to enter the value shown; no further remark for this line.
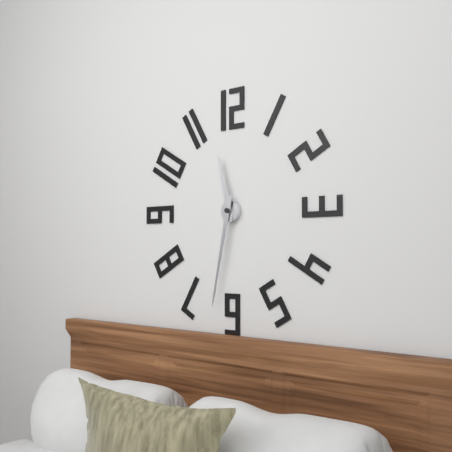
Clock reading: 11h32
